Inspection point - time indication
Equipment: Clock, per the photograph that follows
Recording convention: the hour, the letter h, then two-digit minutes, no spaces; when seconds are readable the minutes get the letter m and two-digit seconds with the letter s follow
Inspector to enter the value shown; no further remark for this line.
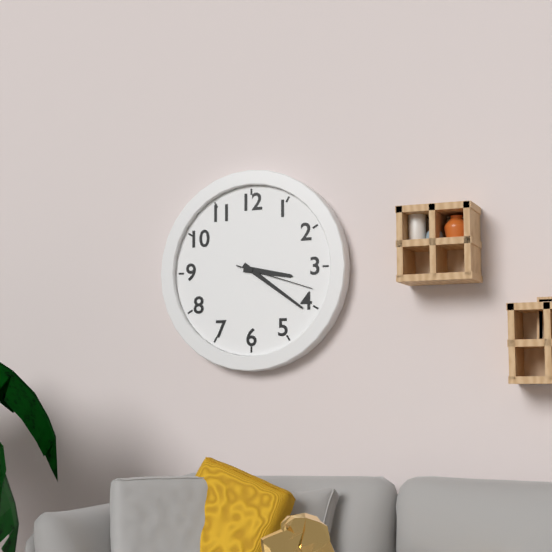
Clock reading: 3h21m18s
